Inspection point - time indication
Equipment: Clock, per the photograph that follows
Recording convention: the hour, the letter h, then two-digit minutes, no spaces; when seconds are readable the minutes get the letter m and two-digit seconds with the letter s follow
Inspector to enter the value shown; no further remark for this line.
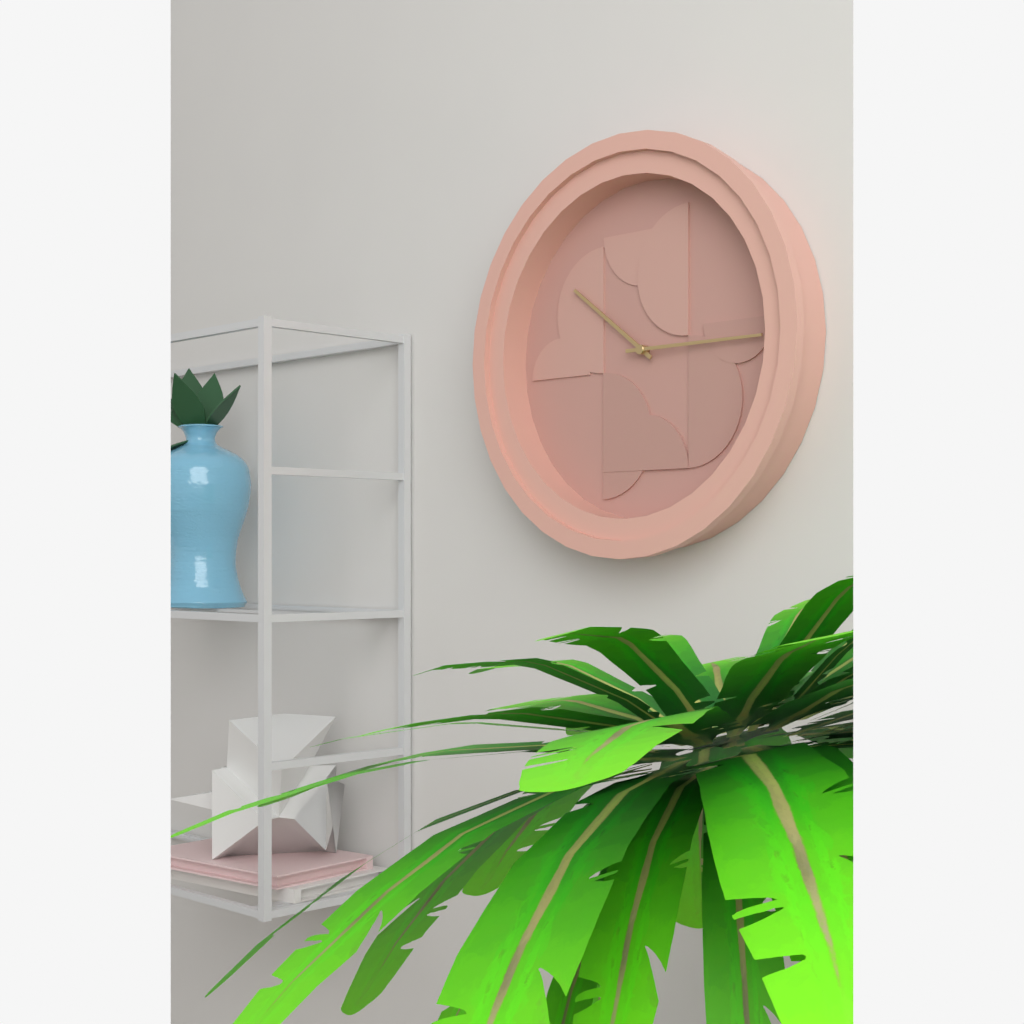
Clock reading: 10h15
